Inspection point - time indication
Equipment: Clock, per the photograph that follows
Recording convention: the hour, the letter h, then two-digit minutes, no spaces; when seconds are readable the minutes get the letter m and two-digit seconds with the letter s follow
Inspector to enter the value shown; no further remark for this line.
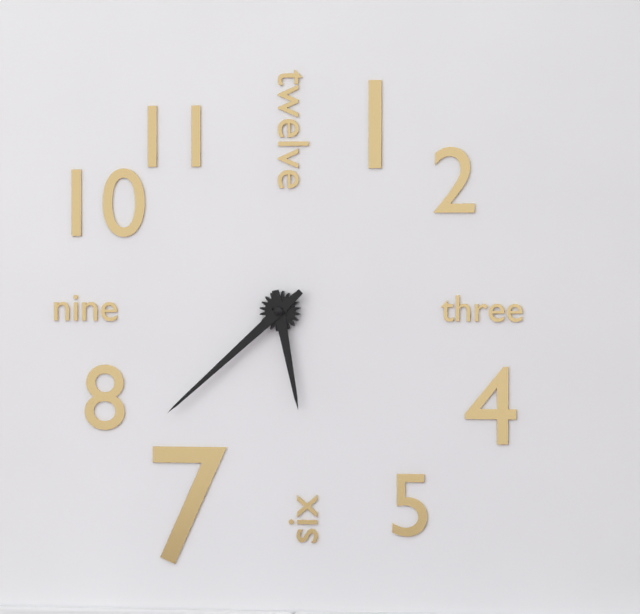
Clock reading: 5h38
